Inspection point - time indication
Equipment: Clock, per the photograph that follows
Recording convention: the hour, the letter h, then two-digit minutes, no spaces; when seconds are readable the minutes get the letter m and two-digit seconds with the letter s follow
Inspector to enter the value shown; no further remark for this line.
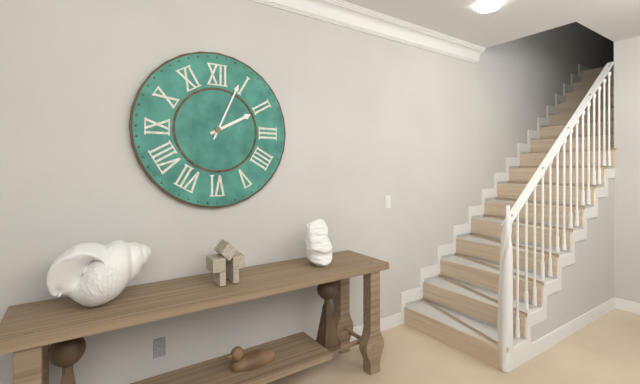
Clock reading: 2h04
